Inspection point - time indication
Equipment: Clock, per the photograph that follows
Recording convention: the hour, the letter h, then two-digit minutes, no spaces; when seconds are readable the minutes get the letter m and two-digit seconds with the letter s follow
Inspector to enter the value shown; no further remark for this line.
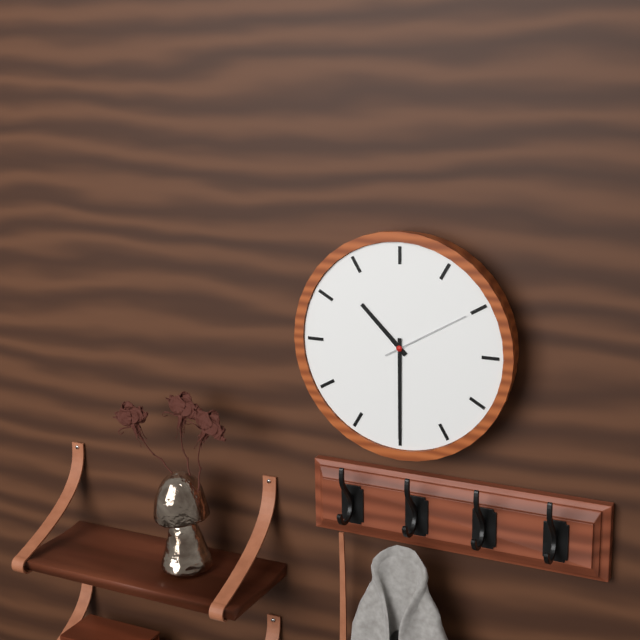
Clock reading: 10h30m10s
